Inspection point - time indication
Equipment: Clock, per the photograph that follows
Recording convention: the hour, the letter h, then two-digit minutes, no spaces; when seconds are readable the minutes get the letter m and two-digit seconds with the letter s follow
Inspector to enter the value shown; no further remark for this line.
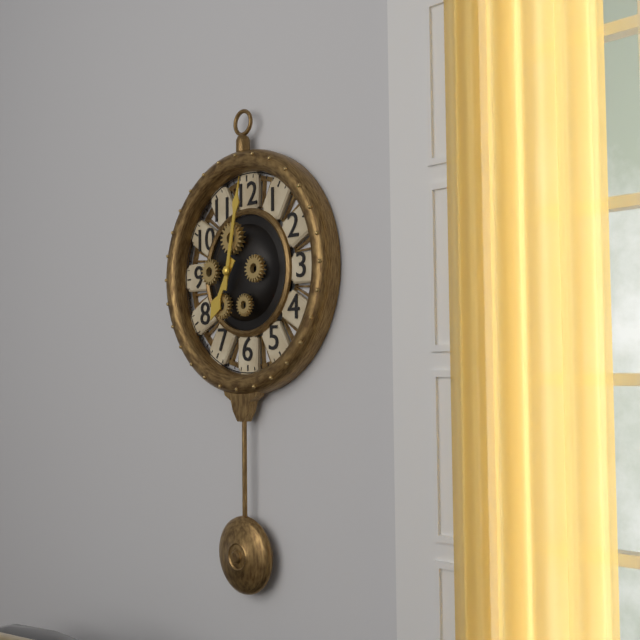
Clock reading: 7h02
